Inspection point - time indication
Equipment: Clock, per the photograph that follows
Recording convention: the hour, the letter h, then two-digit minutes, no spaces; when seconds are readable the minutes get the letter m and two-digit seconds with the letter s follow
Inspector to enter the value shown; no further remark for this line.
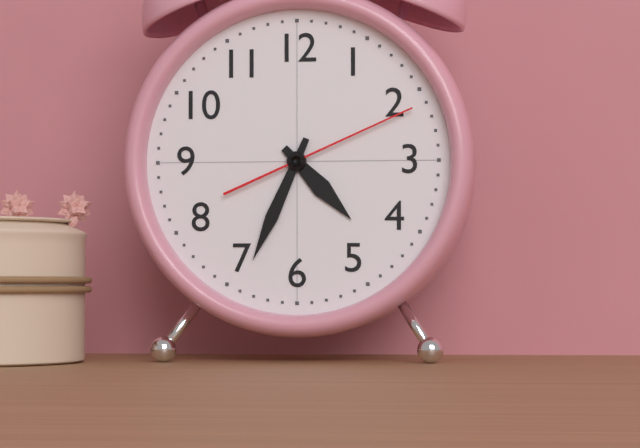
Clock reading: 4h34m11s
